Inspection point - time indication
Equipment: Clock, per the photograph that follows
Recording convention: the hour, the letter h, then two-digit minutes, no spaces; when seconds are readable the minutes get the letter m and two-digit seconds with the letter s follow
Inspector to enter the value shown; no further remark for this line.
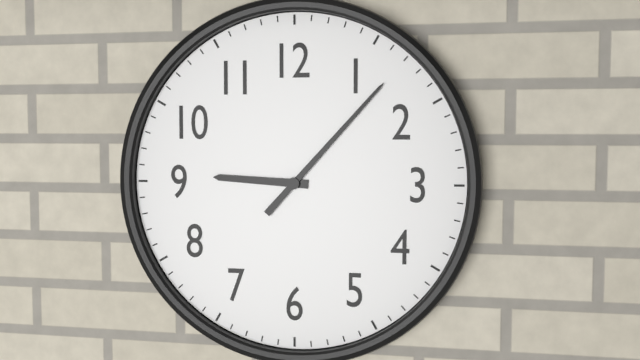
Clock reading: 9h07
